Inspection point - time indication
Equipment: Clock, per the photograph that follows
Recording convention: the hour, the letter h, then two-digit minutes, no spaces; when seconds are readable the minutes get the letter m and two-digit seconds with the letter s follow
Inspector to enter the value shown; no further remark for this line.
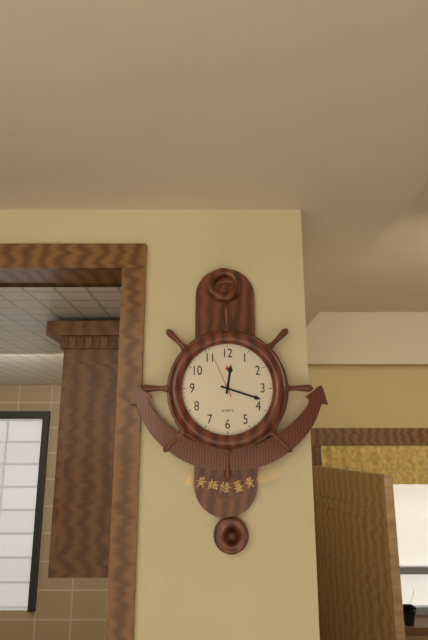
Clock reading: 12h18
